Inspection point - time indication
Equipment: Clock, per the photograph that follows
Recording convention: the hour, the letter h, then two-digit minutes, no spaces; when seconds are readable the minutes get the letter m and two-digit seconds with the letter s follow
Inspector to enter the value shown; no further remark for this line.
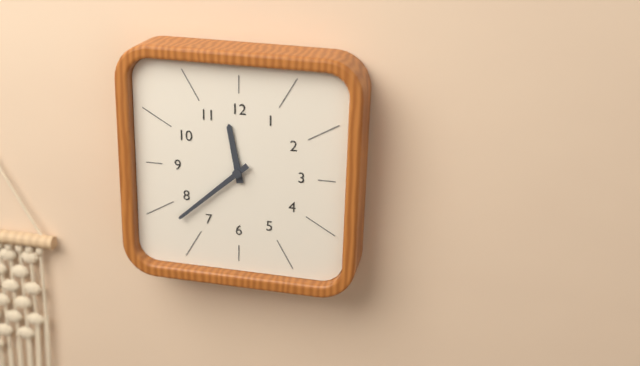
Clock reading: 11h38
